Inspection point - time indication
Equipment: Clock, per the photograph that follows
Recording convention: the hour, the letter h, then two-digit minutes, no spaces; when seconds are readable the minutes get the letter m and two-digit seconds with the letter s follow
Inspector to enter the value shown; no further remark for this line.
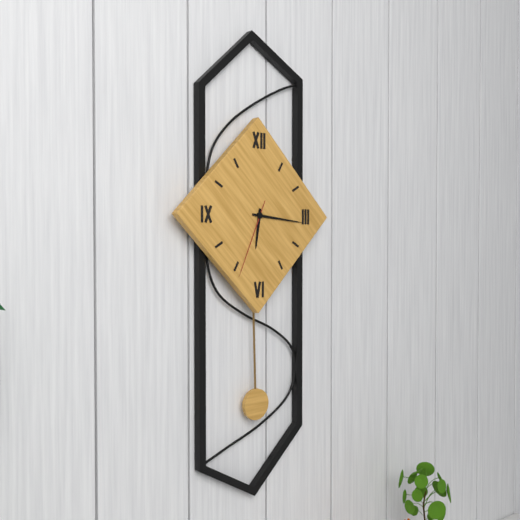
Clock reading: 6h16m34s
